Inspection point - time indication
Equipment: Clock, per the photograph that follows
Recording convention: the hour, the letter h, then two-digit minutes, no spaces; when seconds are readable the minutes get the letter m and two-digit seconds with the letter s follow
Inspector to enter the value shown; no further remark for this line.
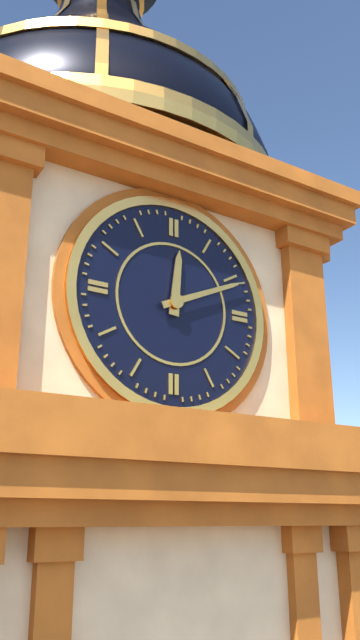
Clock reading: 12h11
